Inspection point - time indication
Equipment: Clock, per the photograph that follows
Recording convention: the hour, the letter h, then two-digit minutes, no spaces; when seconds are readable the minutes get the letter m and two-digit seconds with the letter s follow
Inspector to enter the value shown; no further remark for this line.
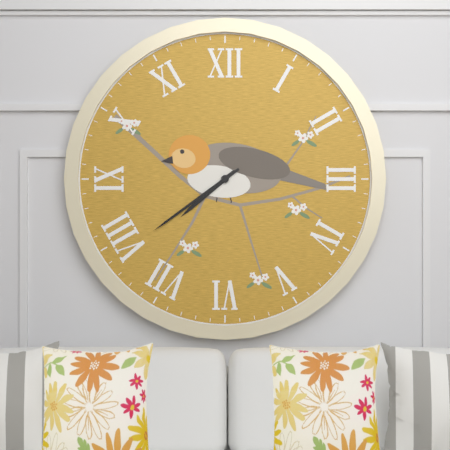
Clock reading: 7h39
